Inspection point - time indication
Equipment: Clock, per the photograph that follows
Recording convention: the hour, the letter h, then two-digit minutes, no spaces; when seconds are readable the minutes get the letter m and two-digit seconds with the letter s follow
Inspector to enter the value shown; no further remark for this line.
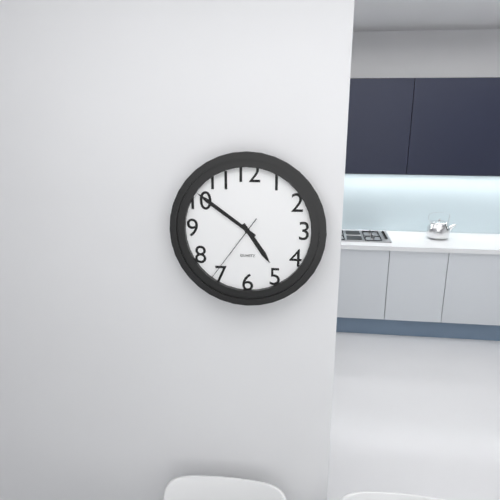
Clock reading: 4h51m36s
